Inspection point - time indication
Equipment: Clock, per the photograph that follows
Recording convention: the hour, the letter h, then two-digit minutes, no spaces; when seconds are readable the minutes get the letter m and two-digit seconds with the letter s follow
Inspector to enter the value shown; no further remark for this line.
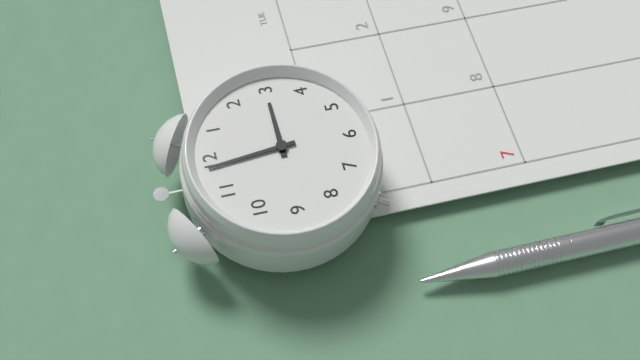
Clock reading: 2h59
